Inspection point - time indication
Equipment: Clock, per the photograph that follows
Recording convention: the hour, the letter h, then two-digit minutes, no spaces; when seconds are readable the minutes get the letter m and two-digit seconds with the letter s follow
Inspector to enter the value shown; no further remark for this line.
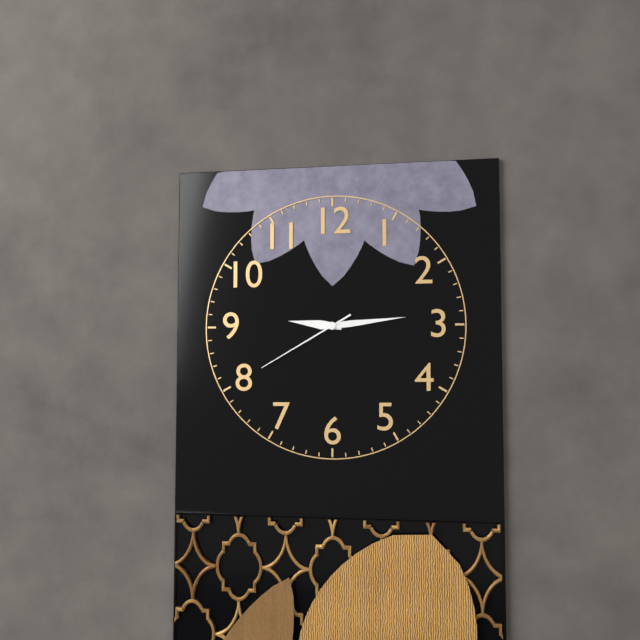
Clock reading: 9h14m40s
